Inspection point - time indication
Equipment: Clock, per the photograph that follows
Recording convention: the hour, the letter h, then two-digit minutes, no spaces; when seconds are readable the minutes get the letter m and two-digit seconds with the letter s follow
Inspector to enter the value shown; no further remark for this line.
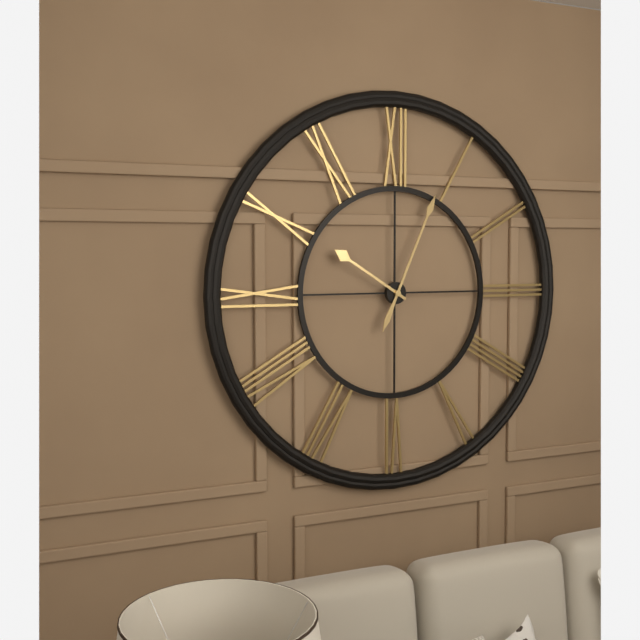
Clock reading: 10h04
